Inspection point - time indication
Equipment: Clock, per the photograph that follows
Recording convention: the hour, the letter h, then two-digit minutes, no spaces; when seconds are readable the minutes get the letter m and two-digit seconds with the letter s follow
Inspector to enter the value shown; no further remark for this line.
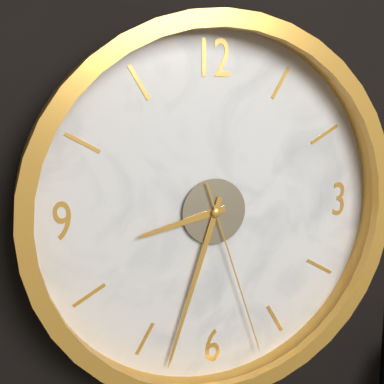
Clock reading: 8h33m27s
